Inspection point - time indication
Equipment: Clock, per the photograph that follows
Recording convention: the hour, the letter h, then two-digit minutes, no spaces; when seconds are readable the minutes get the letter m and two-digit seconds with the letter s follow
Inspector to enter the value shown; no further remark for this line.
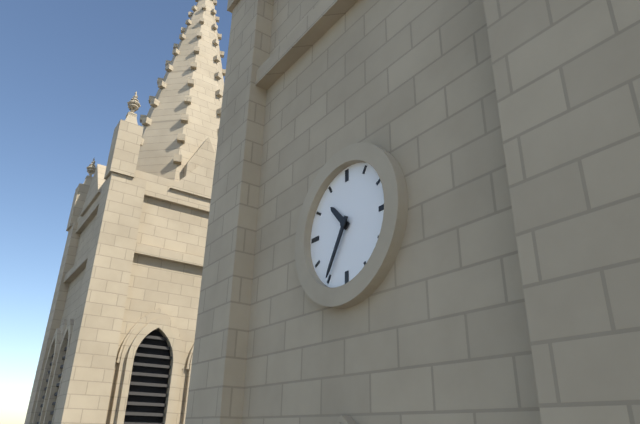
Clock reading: 10h35
